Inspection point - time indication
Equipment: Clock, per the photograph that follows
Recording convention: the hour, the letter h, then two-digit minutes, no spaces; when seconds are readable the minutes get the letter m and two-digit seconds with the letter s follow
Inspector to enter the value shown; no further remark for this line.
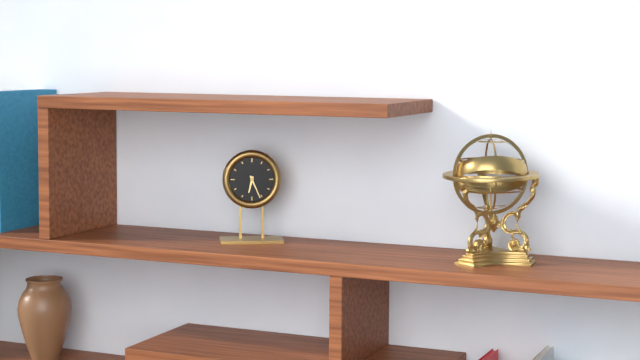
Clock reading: 6h26
